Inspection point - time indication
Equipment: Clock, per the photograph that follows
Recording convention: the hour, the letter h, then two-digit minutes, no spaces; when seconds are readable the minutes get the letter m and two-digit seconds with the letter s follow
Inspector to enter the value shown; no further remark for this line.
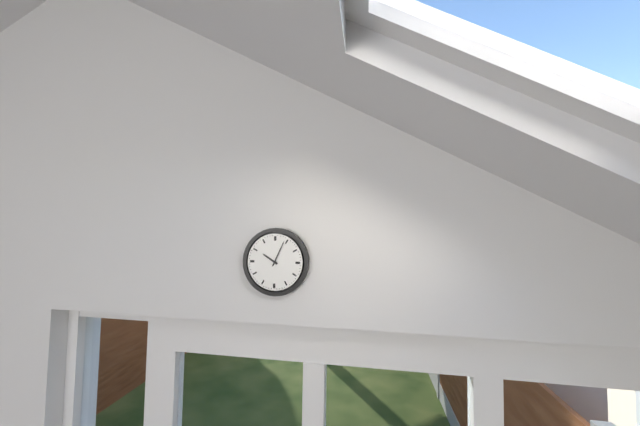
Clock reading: 10h04
